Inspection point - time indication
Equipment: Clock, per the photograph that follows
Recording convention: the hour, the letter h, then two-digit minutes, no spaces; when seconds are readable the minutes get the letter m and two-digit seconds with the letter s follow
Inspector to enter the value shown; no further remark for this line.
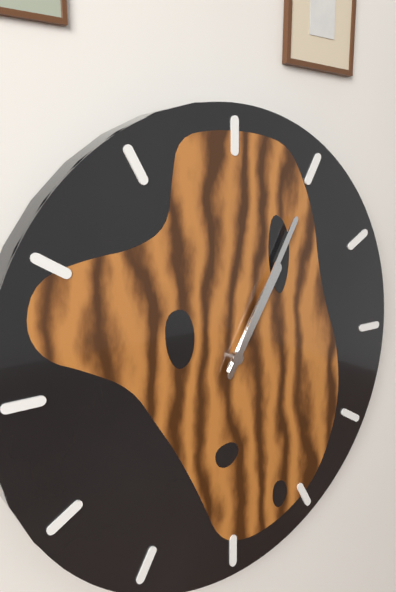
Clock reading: 1h05
